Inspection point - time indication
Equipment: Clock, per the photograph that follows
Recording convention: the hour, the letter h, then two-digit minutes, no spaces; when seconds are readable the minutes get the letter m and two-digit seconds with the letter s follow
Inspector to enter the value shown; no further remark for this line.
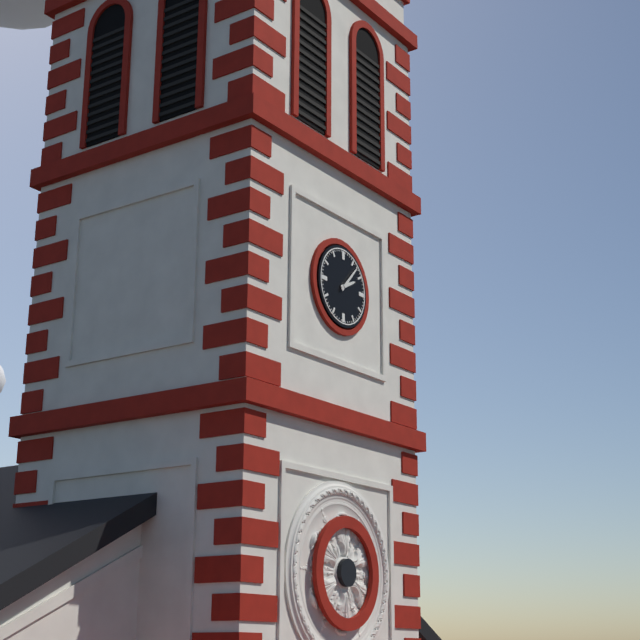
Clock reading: 2h07
